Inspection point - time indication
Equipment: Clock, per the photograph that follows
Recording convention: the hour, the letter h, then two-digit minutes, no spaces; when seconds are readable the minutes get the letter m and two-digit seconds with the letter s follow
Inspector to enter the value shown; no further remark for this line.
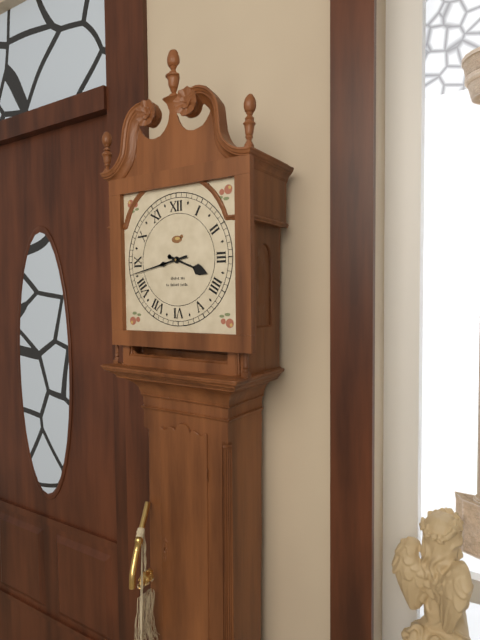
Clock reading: 3h43
